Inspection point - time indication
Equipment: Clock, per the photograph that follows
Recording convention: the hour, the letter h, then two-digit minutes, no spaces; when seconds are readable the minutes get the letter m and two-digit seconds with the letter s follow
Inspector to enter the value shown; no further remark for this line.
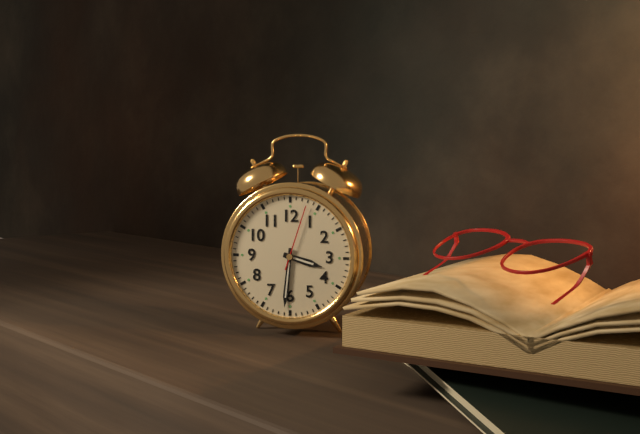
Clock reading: 3h31m03s
